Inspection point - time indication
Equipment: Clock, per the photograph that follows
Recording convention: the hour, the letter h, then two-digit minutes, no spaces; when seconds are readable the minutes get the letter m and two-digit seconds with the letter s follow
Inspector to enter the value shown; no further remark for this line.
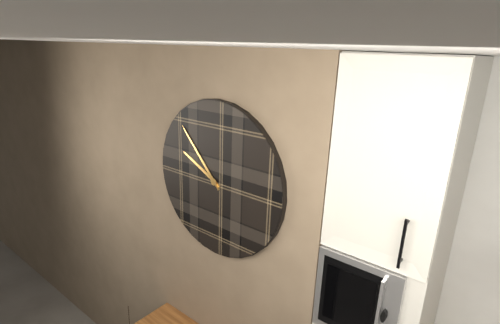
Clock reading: 9h53
